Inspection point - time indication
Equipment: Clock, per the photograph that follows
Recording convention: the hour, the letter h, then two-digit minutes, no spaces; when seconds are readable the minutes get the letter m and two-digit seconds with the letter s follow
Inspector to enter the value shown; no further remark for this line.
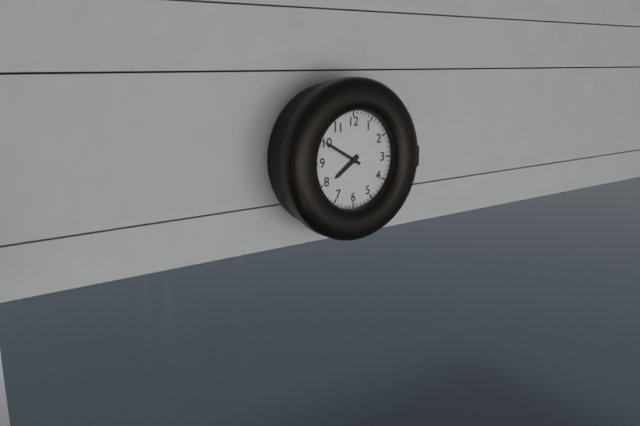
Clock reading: 7h50
